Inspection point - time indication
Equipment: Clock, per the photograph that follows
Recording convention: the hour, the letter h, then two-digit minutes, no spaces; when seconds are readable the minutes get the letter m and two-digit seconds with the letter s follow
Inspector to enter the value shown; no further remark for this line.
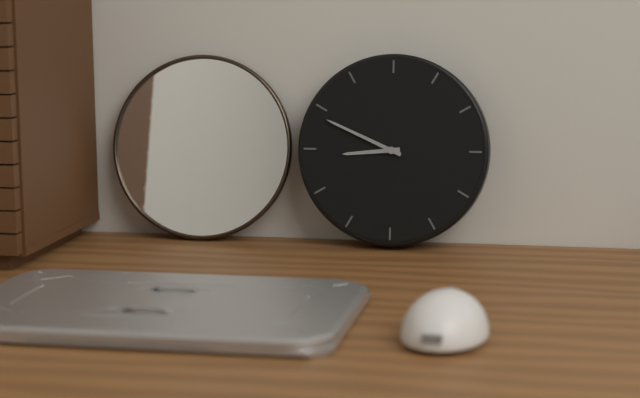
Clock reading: 8h49
